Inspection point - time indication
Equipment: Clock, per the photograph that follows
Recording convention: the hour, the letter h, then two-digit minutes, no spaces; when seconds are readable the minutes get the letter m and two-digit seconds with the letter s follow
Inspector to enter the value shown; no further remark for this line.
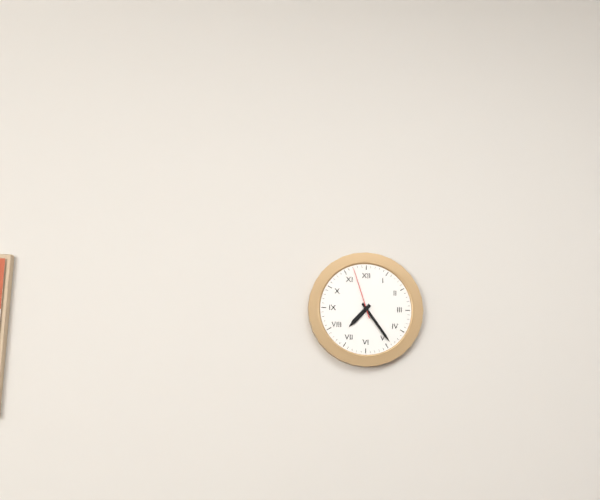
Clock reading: 7h24m57s
